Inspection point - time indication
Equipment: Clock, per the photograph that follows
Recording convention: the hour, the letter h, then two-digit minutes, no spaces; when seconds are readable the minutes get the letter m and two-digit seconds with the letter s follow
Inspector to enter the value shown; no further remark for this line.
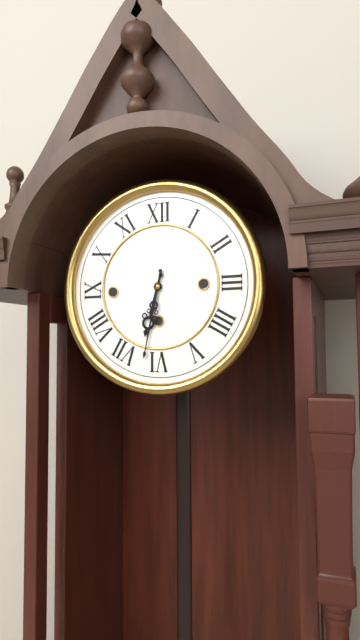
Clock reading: 6h32
